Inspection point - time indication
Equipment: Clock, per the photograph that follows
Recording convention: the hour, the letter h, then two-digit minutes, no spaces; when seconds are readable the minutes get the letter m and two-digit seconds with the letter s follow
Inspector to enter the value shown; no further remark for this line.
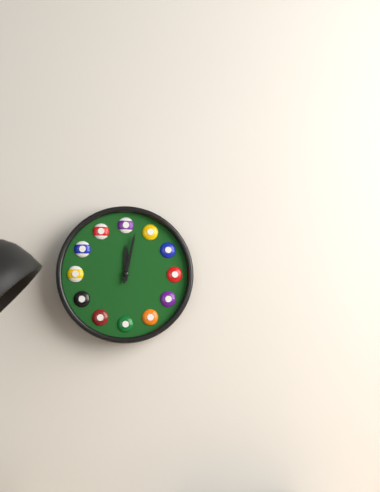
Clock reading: 12h02
